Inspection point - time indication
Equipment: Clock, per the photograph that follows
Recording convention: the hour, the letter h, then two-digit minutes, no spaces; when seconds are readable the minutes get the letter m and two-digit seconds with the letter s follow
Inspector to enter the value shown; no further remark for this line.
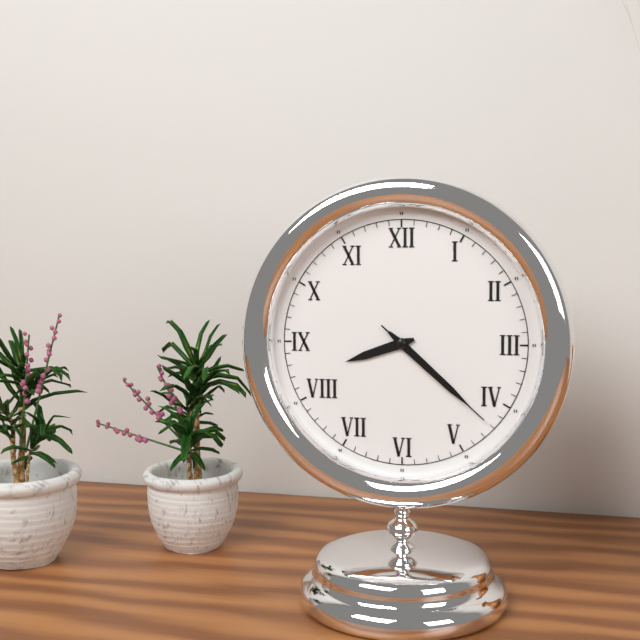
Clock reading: 8h22m22s
